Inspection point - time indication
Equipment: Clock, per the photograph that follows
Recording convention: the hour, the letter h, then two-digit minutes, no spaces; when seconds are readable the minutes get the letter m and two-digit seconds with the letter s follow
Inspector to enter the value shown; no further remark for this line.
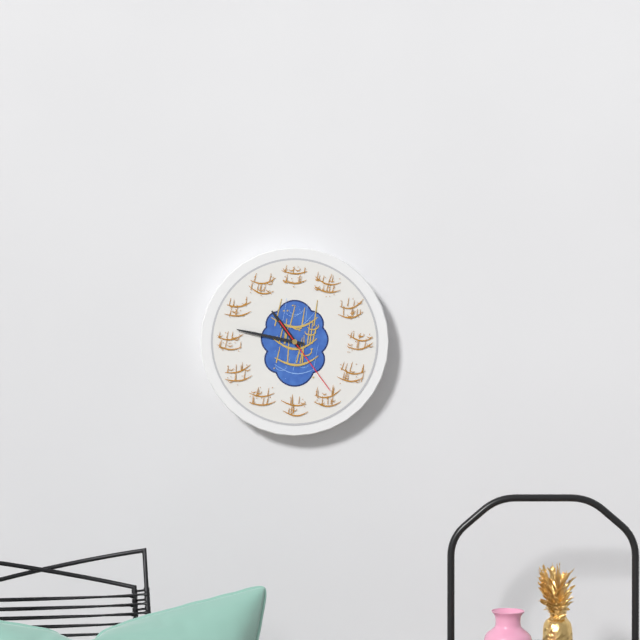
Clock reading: 10h47m24s
